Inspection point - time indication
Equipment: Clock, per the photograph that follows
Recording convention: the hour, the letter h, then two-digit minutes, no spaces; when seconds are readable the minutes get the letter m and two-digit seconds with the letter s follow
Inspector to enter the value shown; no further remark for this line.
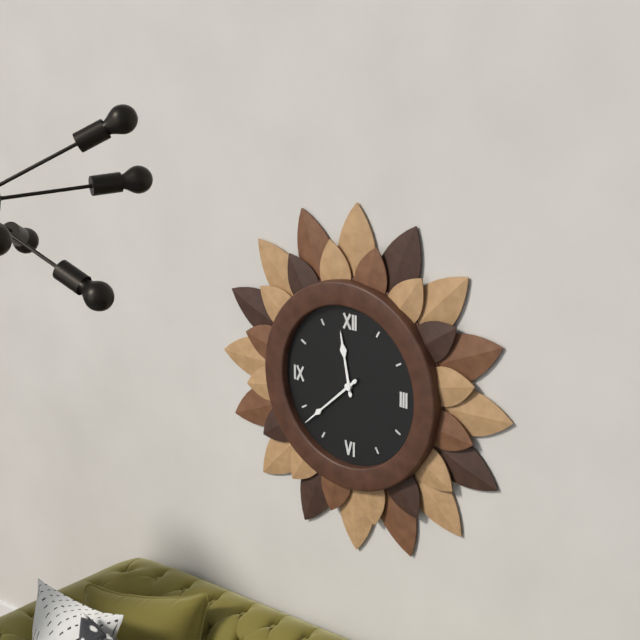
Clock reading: 11h38
